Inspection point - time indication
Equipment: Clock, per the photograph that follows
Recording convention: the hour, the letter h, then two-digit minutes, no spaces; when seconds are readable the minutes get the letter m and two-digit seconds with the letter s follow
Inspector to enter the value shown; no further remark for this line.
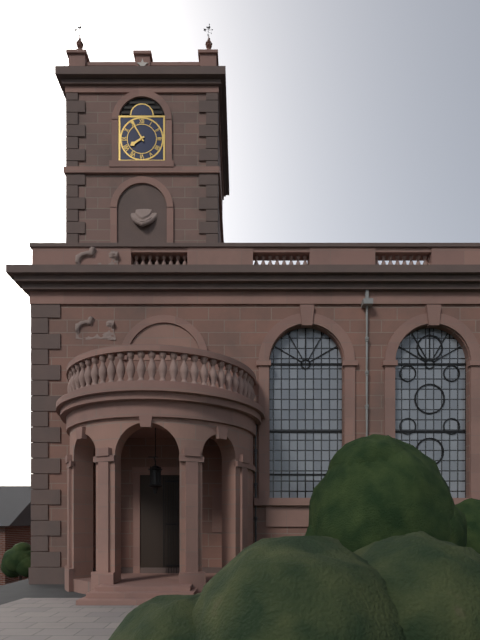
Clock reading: 7h55
